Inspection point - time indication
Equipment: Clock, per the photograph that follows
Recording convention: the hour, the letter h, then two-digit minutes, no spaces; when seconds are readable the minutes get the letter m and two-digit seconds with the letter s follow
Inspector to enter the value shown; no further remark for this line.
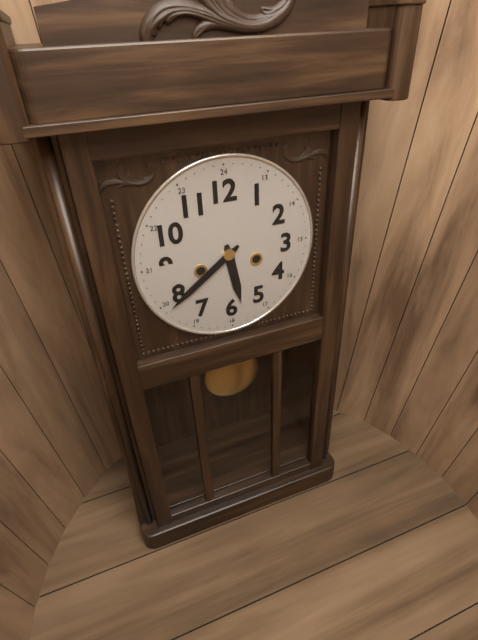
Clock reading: 5h39
